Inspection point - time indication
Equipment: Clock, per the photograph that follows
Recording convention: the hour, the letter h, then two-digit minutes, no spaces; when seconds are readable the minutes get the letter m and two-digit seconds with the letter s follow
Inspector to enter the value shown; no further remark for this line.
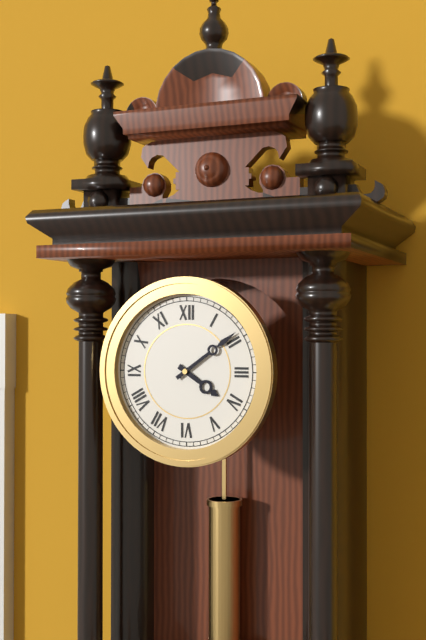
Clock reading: 4h09
